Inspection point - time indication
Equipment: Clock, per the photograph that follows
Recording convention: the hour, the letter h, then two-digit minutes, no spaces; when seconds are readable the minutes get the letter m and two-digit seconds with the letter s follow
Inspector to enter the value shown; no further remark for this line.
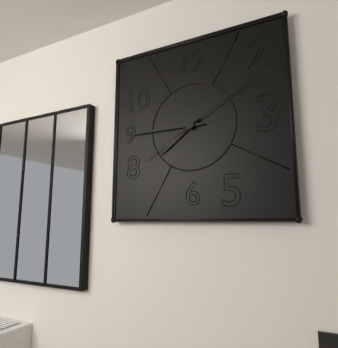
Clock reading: 7h45m10s
